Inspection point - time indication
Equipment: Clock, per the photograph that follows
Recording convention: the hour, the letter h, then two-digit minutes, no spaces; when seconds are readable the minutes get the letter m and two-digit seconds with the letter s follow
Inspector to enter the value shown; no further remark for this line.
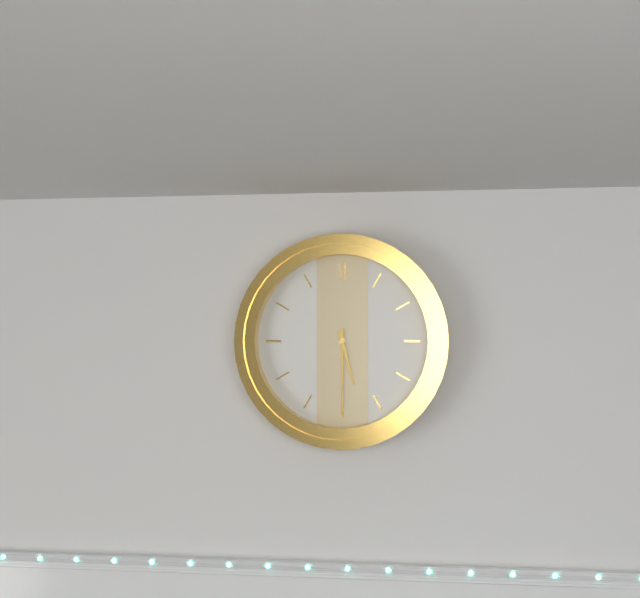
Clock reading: 5h30
